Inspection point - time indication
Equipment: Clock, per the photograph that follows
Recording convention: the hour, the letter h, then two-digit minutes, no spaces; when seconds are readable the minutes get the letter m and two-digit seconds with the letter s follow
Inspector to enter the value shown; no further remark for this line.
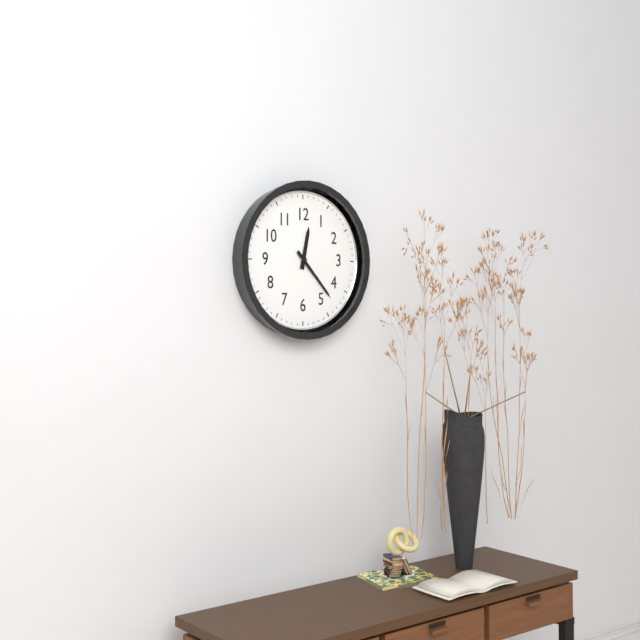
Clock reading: 12h23
